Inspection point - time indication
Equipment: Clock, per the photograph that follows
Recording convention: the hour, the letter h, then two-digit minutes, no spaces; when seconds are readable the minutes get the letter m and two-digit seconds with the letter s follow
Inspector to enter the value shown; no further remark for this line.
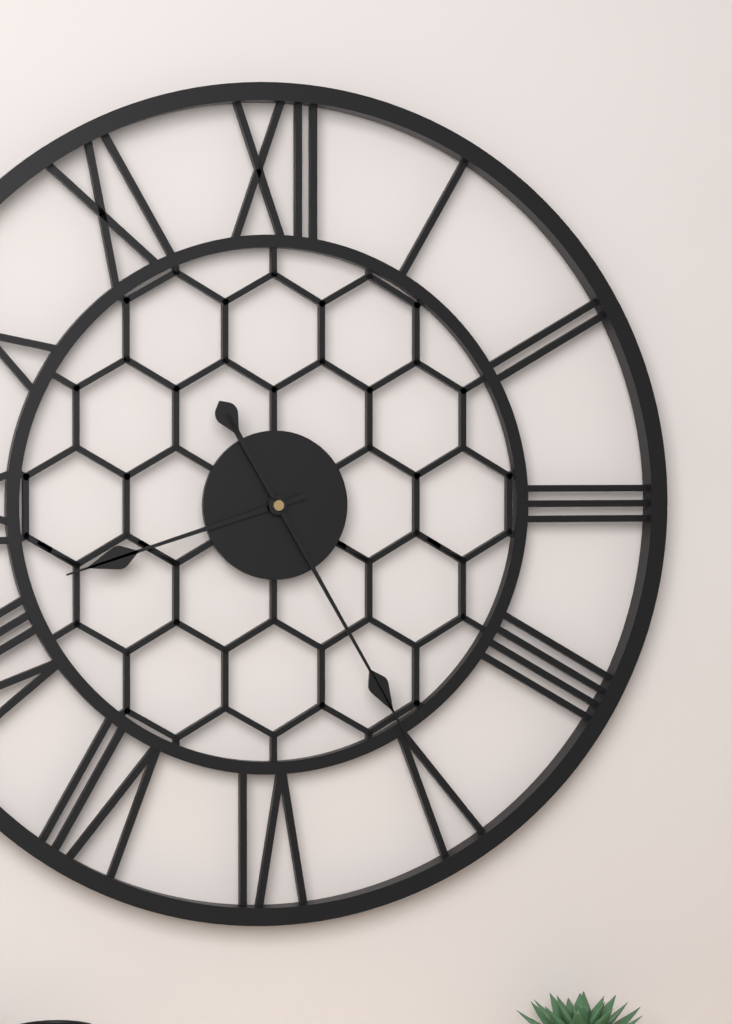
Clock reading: 8h25
